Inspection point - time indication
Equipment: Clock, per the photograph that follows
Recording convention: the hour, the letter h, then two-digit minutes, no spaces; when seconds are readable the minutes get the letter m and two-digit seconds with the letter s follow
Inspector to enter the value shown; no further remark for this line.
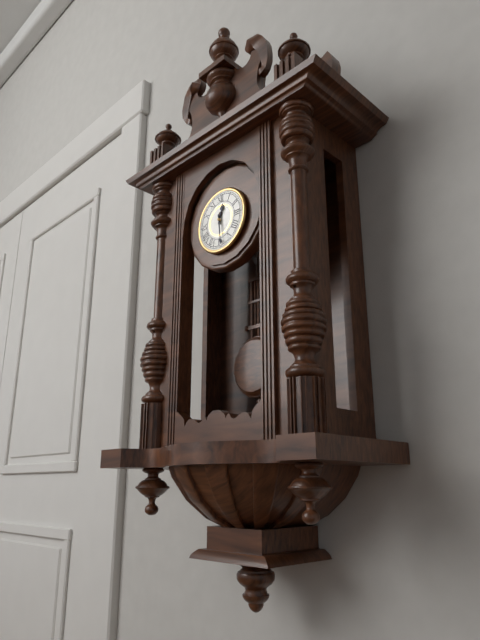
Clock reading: 12h29
